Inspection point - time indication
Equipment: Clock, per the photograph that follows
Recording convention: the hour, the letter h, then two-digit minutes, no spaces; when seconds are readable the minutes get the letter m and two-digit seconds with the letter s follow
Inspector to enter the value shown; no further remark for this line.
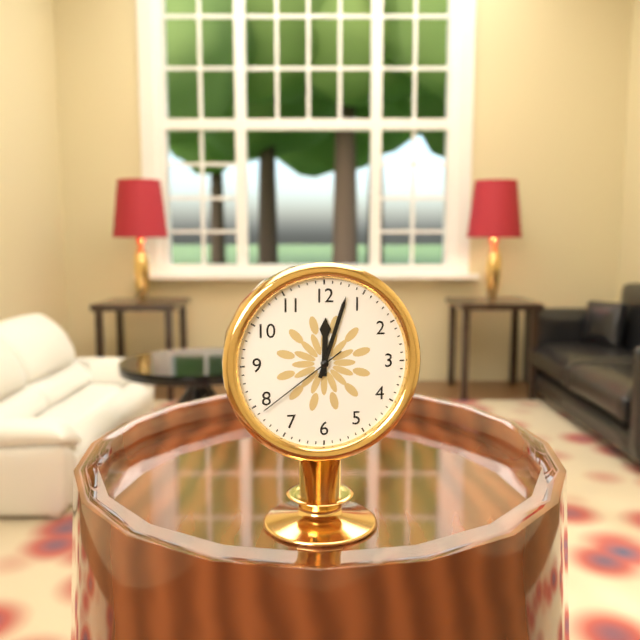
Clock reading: 12h03m39s
